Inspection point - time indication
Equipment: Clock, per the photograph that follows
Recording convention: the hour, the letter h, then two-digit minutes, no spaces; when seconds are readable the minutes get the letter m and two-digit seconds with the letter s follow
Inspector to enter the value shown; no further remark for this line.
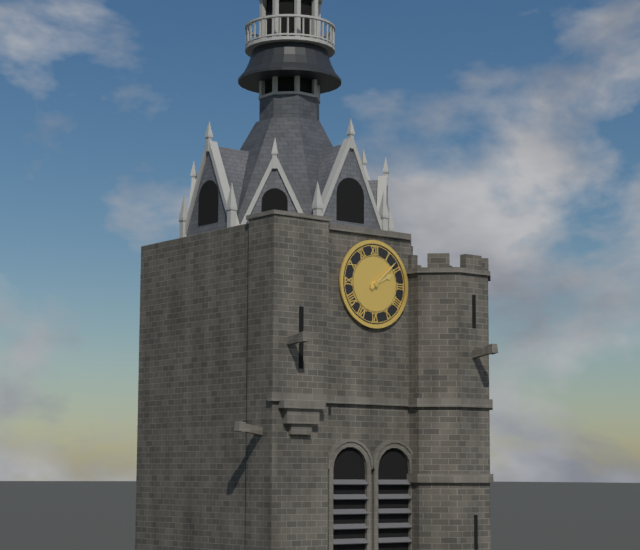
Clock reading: 2h08
